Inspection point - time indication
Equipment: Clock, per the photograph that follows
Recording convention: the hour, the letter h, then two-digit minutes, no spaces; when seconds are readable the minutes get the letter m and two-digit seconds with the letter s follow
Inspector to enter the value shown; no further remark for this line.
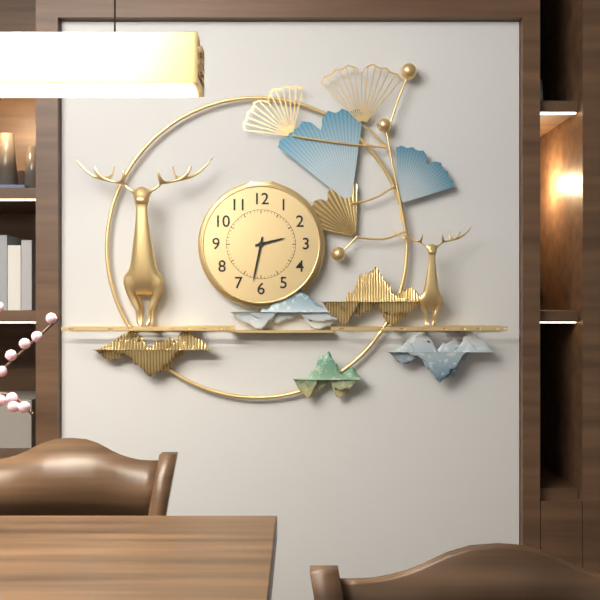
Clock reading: 2h32
